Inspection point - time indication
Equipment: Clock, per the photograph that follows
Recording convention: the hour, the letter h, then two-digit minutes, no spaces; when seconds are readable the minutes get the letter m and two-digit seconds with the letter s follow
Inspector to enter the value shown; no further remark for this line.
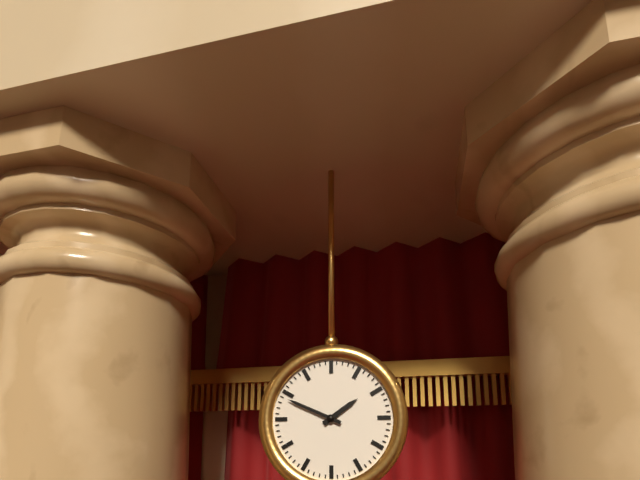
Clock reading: 1h49
